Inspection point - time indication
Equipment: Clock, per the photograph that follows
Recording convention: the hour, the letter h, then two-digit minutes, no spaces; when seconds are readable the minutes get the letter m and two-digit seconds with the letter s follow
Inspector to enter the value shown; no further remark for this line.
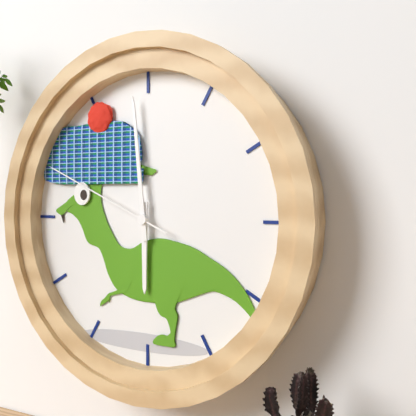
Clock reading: 5h59m49s
